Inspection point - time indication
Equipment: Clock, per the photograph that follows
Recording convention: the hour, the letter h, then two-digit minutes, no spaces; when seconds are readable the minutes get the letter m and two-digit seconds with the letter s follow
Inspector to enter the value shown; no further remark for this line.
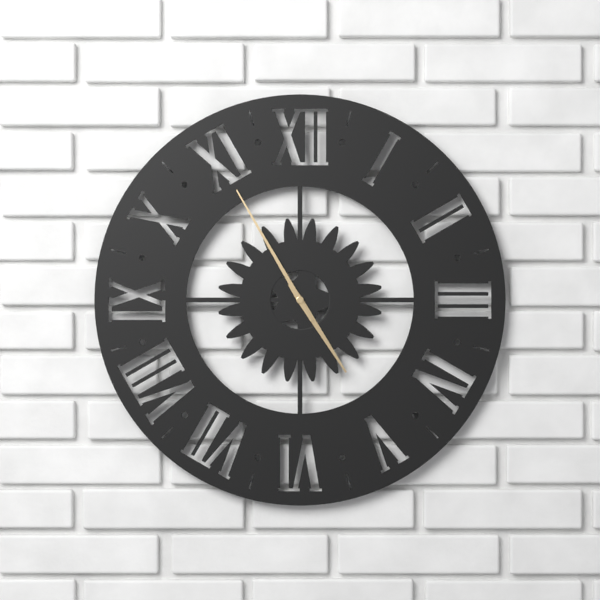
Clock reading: 4h55
